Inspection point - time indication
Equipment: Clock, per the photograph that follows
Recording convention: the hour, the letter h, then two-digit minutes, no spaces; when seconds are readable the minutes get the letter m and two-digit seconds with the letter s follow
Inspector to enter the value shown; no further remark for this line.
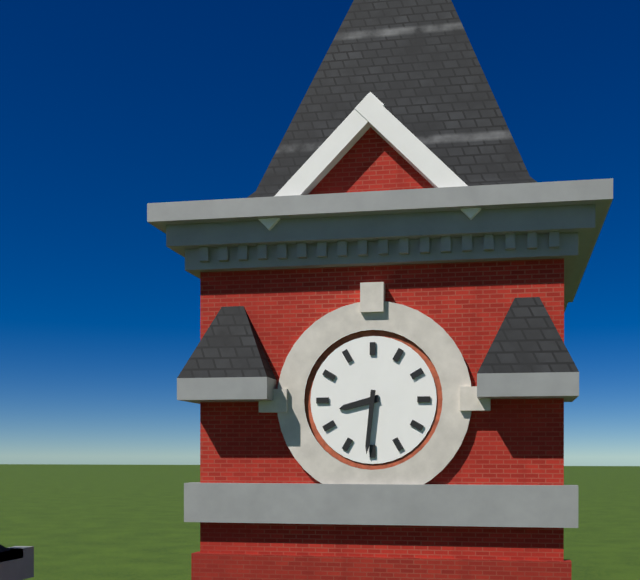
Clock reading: 8h31
